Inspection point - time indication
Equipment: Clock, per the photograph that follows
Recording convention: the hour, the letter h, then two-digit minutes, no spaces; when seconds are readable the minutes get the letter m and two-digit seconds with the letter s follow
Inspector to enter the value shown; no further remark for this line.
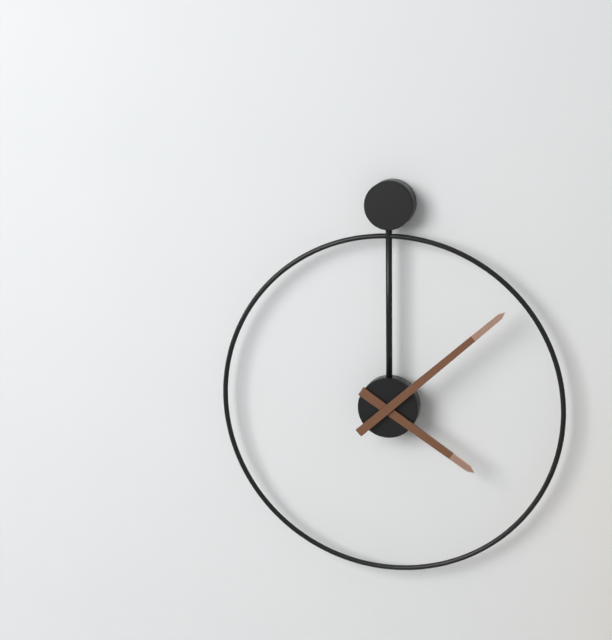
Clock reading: 4h08
